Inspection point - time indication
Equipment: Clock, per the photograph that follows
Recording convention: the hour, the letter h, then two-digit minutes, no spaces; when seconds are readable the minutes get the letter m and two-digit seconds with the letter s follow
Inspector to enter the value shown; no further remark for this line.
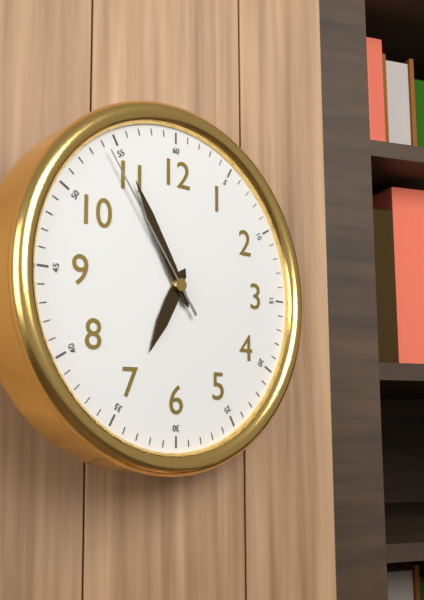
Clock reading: 6h55m54s
